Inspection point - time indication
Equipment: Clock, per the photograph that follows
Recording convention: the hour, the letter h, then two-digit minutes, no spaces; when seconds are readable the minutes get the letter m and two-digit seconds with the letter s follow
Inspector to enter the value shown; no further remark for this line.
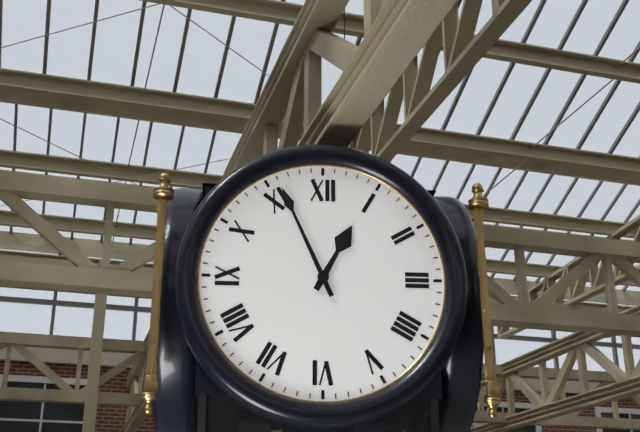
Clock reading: 12h56
